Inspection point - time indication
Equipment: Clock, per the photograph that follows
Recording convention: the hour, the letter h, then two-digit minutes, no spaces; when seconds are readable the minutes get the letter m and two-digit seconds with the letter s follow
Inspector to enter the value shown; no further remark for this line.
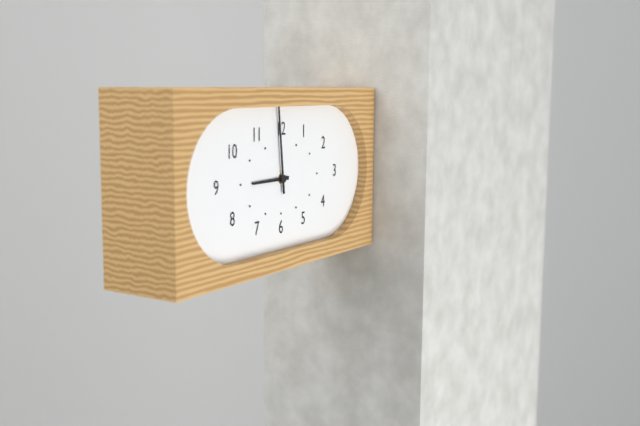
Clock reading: 8h59
